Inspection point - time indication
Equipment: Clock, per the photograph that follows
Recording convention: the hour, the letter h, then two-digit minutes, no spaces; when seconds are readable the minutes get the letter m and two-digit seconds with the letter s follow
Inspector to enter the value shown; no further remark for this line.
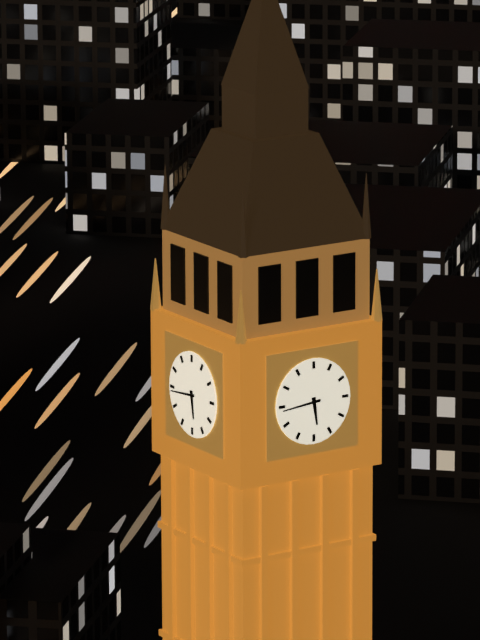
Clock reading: 5h44
